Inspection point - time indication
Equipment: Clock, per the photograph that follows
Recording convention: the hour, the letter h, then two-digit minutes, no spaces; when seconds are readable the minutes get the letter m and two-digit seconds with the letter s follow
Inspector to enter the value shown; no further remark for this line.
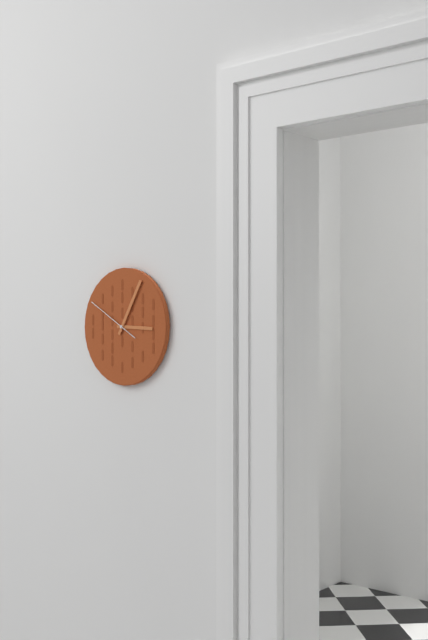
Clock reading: 3h05m50s
